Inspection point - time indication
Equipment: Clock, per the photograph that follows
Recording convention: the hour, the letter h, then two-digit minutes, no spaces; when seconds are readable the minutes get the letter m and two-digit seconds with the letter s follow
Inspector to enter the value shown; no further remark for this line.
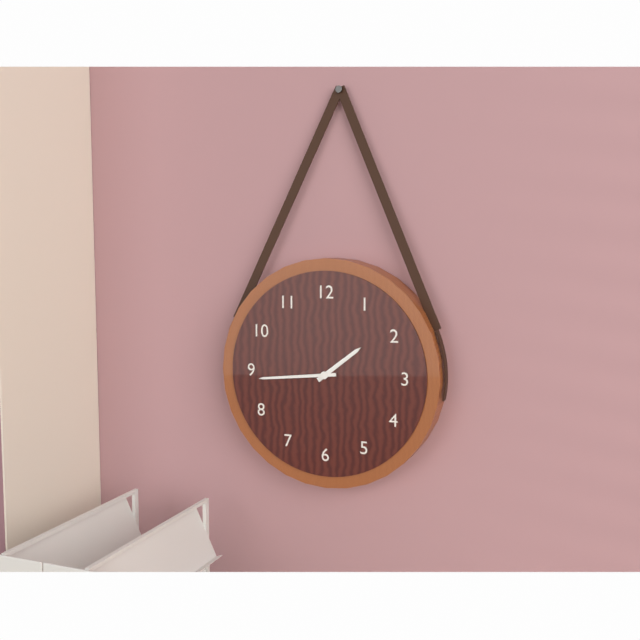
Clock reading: 1h44
